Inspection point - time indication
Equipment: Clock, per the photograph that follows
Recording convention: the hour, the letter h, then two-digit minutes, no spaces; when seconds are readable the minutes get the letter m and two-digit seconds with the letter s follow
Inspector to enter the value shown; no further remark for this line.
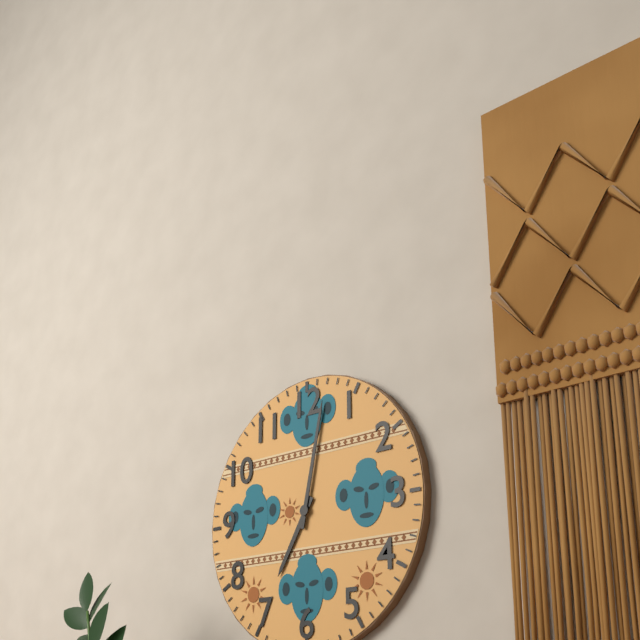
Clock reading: 7h02
